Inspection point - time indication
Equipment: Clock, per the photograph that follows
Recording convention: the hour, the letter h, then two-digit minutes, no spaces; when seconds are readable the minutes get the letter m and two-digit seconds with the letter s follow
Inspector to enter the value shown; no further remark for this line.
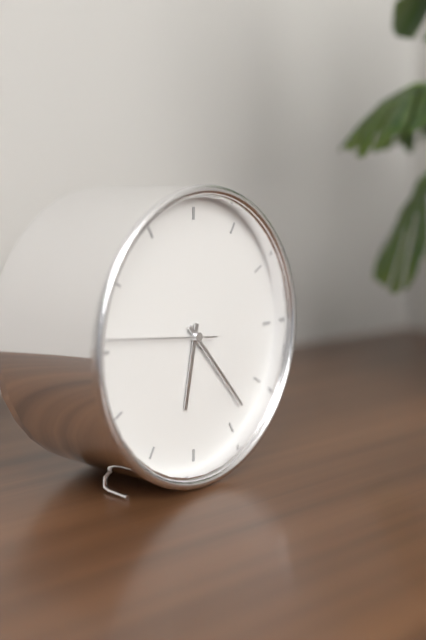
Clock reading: 6h23m46s
